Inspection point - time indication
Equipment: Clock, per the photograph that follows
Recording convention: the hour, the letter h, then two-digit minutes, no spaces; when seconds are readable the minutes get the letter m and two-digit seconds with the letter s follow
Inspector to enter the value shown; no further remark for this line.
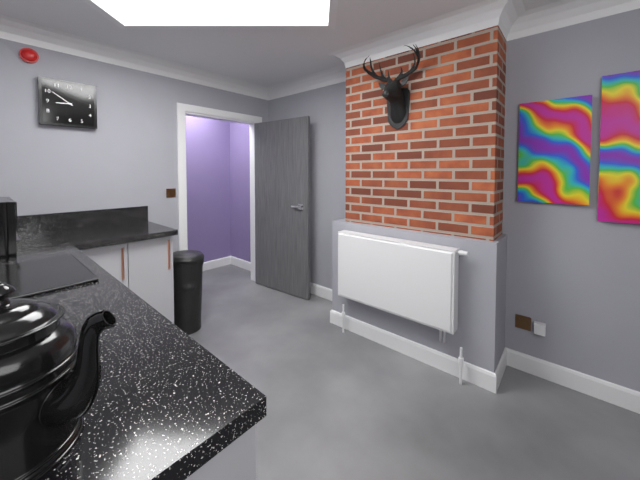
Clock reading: 8h51
